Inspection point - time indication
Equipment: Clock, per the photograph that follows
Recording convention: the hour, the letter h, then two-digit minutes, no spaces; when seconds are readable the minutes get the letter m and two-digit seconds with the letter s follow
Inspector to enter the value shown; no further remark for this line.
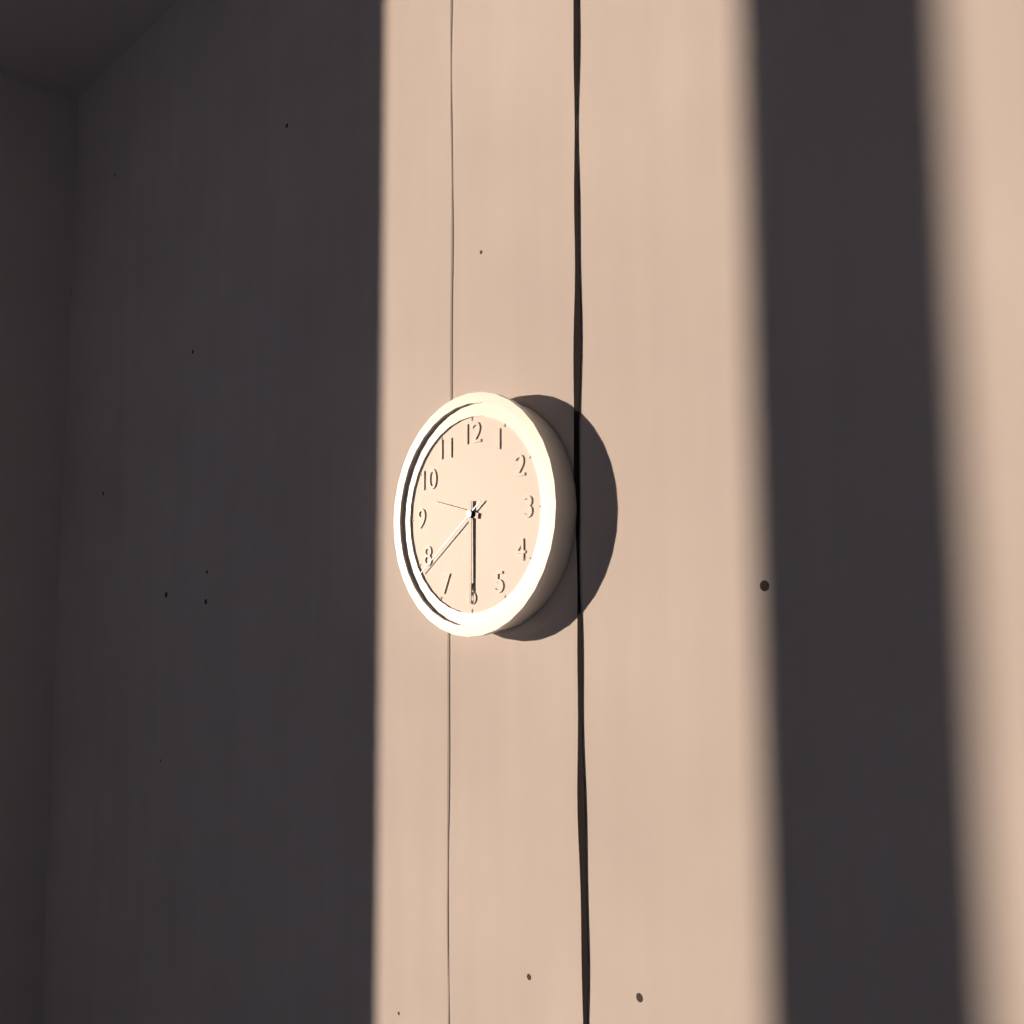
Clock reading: 9h30m39s
